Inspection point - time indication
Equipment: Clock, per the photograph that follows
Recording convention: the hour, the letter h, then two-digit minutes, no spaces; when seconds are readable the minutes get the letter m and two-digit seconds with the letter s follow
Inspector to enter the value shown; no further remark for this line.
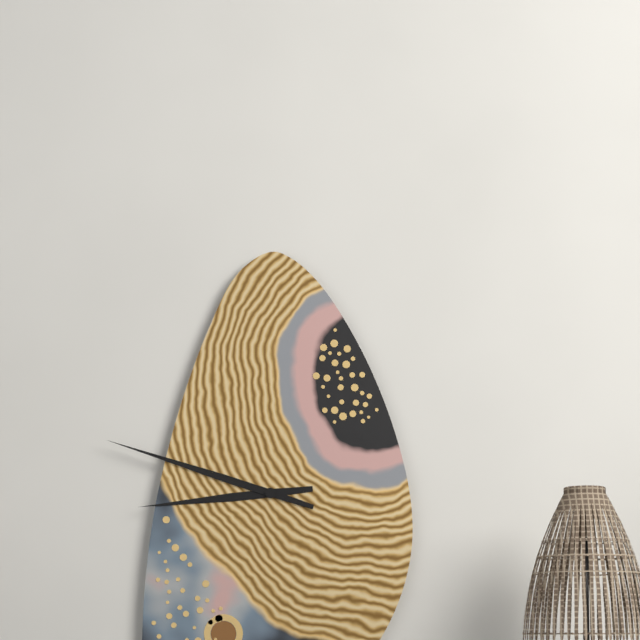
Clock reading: 8h48
